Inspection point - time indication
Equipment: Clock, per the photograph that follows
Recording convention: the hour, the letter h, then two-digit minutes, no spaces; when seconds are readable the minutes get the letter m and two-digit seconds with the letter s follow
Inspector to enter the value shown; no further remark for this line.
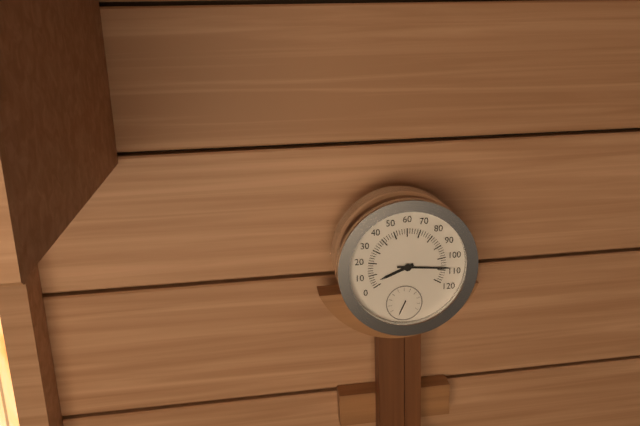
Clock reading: 8h16
